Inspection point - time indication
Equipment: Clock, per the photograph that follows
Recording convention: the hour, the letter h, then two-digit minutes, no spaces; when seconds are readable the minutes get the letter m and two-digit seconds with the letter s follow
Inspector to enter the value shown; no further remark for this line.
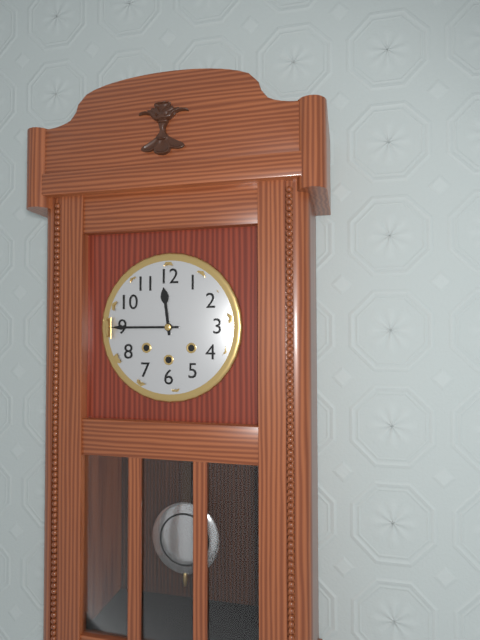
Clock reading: 11h45
